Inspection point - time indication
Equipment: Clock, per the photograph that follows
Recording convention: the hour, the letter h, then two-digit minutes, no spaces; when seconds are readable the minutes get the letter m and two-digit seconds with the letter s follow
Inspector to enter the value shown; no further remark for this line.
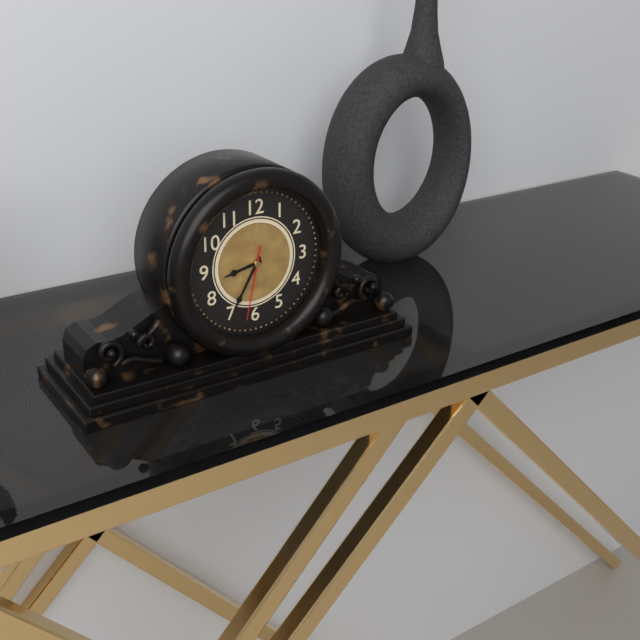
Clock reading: 8h35m32s
